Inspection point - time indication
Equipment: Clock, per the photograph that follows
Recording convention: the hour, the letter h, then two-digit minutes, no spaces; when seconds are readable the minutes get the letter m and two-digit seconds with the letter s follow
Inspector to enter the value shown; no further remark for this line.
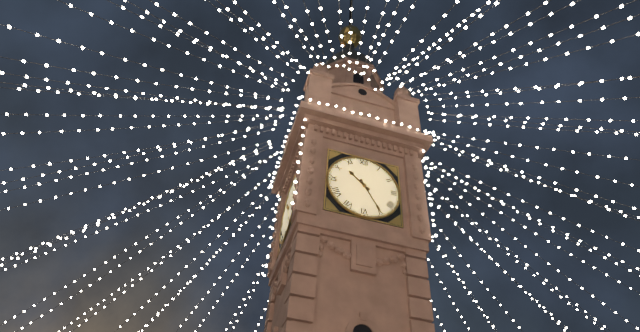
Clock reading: 10h25
